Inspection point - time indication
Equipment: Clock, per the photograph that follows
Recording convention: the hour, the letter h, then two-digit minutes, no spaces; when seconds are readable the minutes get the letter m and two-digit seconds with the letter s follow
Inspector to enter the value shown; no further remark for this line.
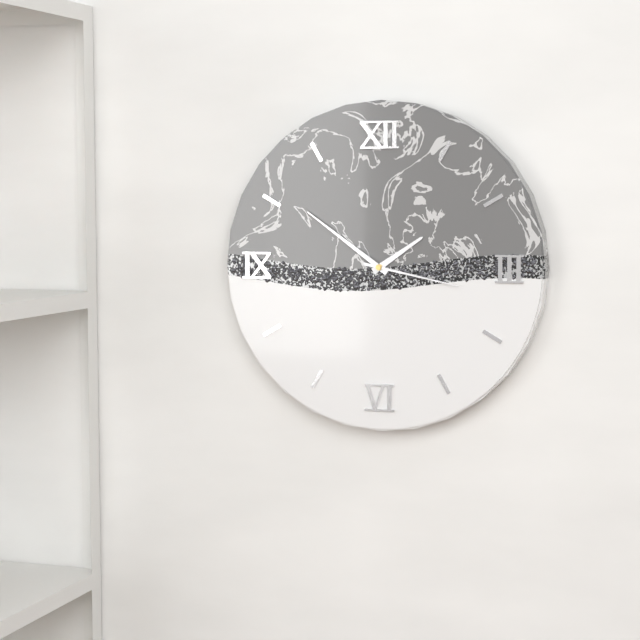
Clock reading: 1h51m17s
